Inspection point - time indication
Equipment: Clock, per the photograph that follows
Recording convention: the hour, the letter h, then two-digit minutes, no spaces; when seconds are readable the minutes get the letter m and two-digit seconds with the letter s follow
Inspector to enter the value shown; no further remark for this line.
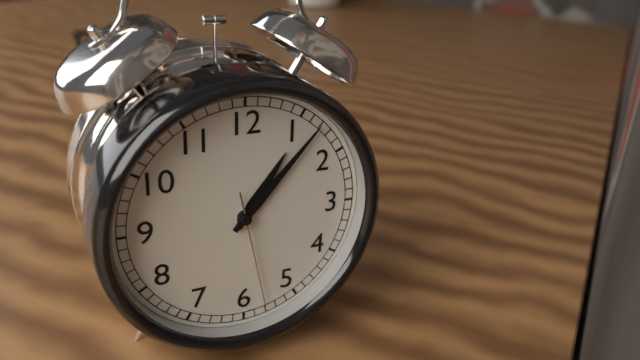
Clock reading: 1h07m28s
